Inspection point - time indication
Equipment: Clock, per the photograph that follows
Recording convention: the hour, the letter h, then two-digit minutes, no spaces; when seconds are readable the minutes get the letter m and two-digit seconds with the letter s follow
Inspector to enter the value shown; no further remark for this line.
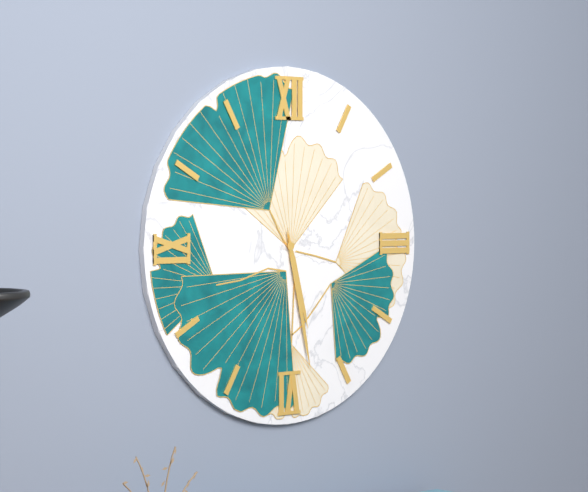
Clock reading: 5h28
